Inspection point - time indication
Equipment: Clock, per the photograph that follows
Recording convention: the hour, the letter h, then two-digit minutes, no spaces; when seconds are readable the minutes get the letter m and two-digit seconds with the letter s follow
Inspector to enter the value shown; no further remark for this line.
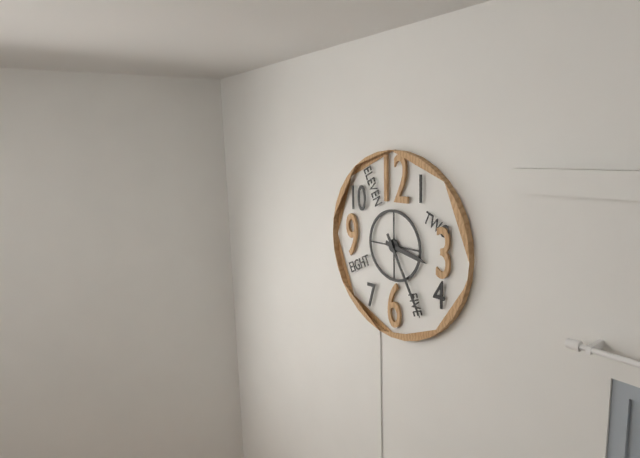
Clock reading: 3h25
